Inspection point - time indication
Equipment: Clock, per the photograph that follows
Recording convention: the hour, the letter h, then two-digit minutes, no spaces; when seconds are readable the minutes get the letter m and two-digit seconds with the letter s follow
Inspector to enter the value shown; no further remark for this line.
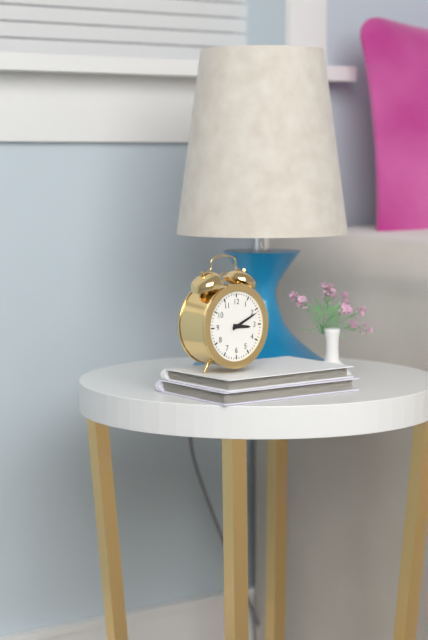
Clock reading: 3h11
